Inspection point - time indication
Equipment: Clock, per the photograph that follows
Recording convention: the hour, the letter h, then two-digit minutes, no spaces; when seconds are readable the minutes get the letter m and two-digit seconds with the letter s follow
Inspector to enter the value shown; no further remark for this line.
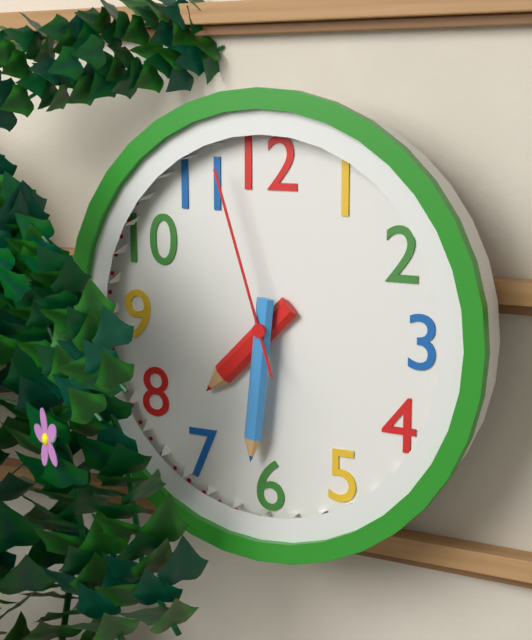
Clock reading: 7h31m57s
